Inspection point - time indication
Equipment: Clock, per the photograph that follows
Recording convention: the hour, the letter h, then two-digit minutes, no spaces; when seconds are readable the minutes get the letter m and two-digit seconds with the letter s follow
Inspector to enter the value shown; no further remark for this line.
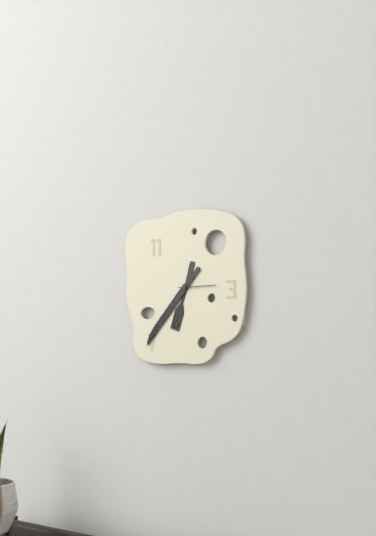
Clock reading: 6h37
